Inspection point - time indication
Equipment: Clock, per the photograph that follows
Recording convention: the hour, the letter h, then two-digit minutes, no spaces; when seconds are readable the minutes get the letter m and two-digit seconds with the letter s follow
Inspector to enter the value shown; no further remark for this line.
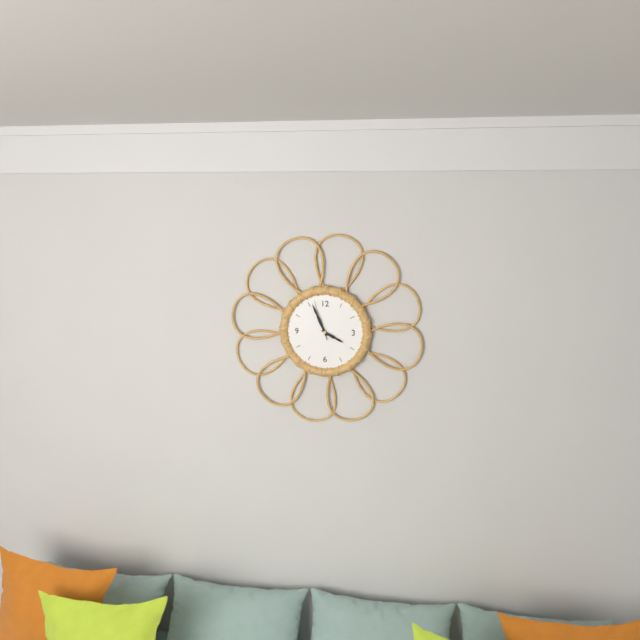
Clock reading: 3h56
